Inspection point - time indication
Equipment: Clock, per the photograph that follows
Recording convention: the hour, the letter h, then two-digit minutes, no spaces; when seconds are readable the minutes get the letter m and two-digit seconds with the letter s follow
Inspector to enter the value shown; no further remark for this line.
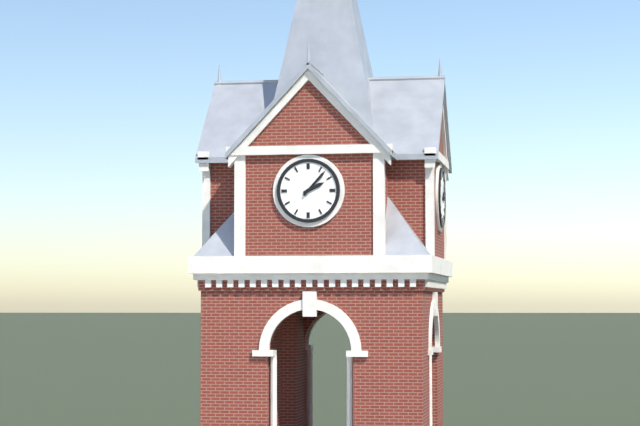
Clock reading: 2h07
